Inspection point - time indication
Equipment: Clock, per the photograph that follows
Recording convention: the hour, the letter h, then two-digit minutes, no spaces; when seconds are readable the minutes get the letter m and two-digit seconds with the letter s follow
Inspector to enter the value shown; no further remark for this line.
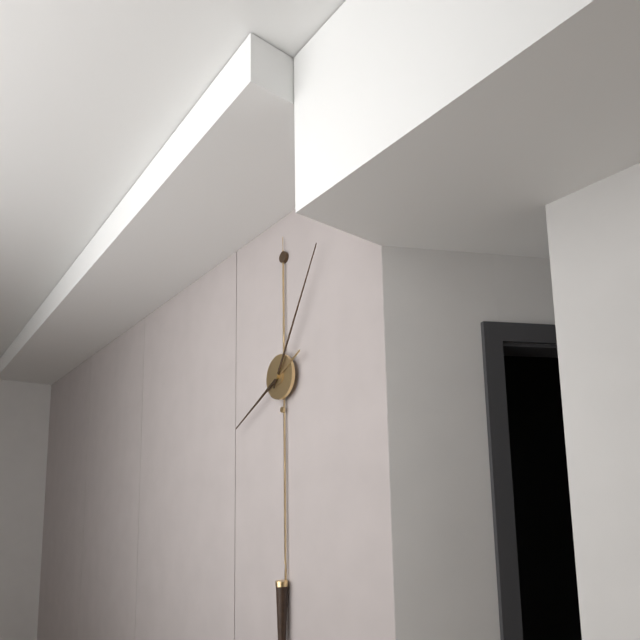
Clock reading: 8h05
